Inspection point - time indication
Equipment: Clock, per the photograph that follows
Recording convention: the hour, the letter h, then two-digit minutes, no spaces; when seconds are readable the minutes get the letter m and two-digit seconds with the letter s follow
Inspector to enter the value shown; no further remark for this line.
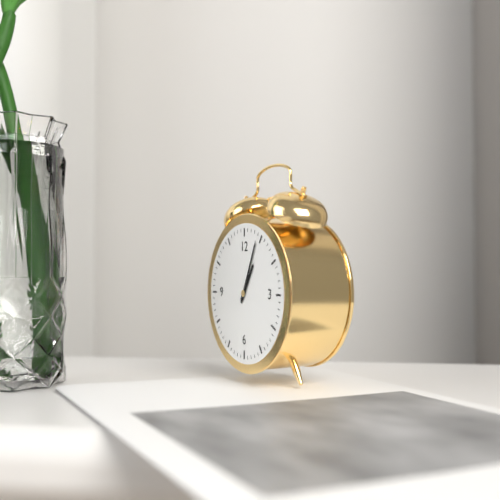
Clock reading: 1h04
